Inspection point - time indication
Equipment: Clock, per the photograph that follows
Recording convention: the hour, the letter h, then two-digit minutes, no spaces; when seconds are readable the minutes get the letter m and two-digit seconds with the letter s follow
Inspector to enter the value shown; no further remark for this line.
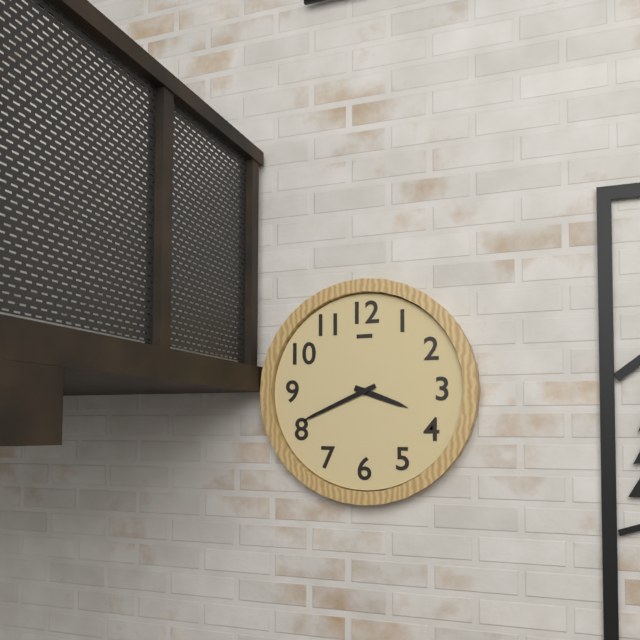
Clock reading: 3h41
